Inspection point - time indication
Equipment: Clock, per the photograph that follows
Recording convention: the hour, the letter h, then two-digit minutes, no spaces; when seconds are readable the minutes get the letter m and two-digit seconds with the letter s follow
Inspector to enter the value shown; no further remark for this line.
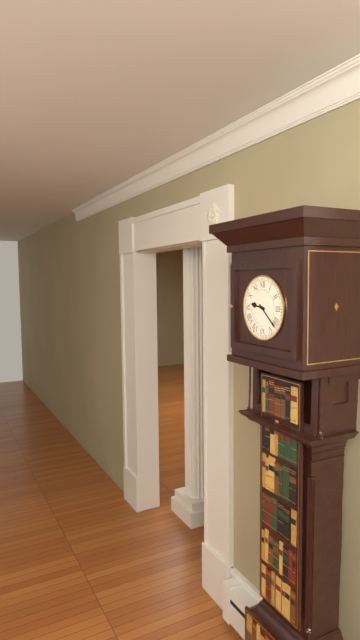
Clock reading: 9h22
